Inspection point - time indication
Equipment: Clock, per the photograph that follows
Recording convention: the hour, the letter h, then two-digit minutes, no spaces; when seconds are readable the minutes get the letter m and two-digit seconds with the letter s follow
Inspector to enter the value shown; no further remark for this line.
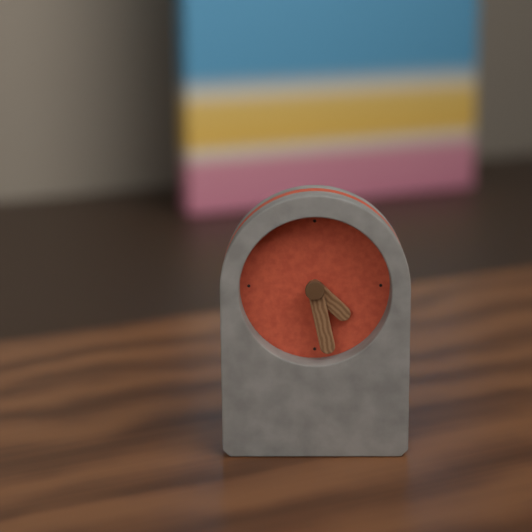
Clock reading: 4h28
